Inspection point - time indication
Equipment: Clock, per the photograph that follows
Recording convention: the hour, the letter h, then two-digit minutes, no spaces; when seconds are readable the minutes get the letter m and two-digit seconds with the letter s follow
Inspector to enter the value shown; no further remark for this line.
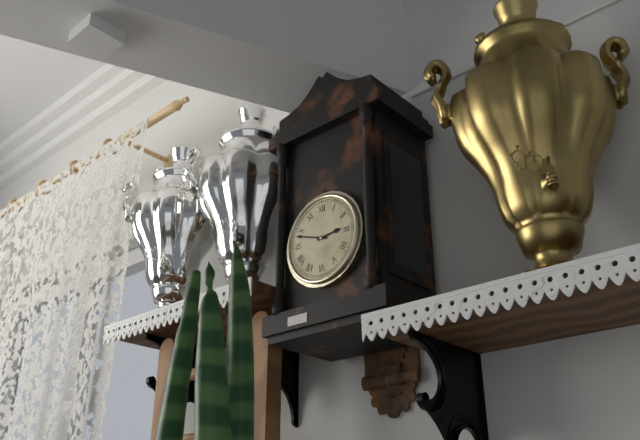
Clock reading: 2h48
